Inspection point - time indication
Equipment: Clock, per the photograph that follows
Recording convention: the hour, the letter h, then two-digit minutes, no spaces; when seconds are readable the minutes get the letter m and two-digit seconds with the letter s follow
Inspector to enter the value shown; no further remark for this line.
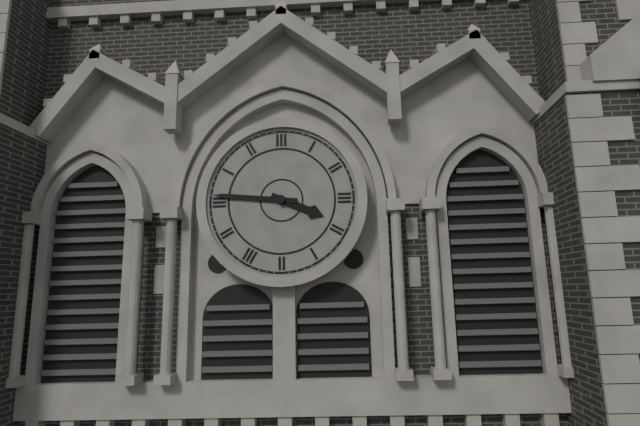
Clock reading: 3h46
